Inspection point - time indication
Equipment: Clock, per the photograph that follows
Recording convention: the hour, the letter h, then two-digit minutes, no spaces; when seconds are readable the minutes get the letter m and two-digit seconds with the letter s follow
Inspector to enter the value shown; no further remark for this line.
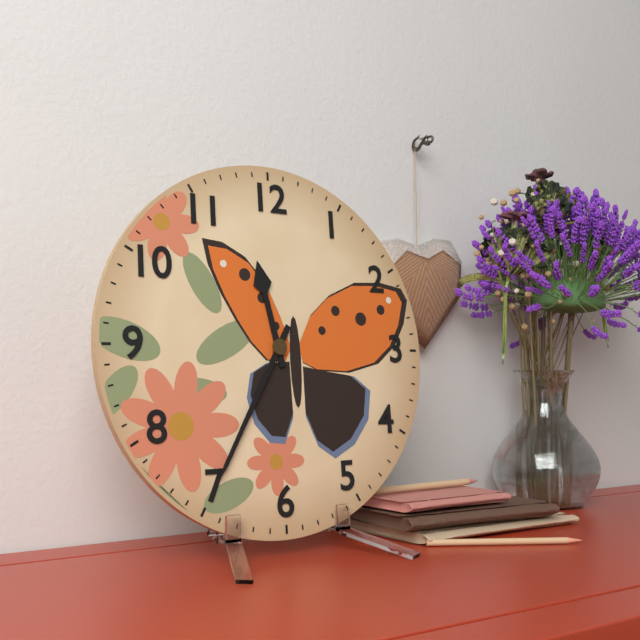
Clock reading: 11h35
